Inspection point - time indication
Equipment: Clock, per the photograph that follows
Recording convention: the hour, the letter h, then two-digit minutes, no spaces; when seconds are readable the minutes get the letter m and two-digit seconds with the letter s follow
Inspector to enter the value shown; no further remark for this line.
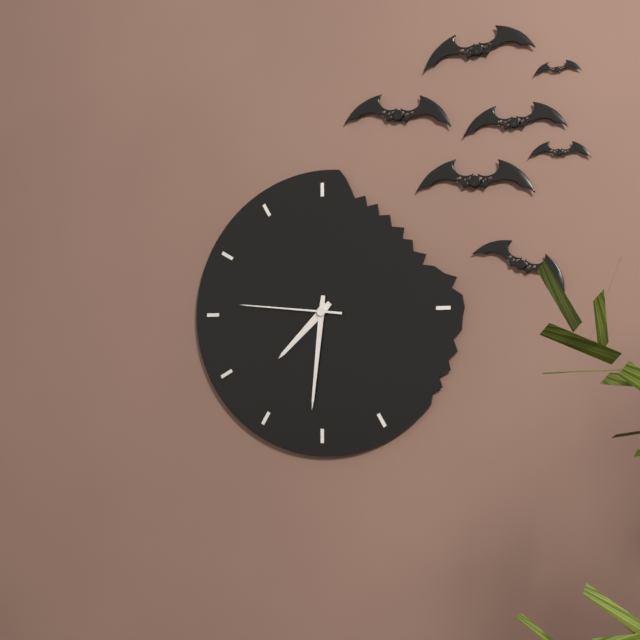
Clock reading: 7h31m46s
